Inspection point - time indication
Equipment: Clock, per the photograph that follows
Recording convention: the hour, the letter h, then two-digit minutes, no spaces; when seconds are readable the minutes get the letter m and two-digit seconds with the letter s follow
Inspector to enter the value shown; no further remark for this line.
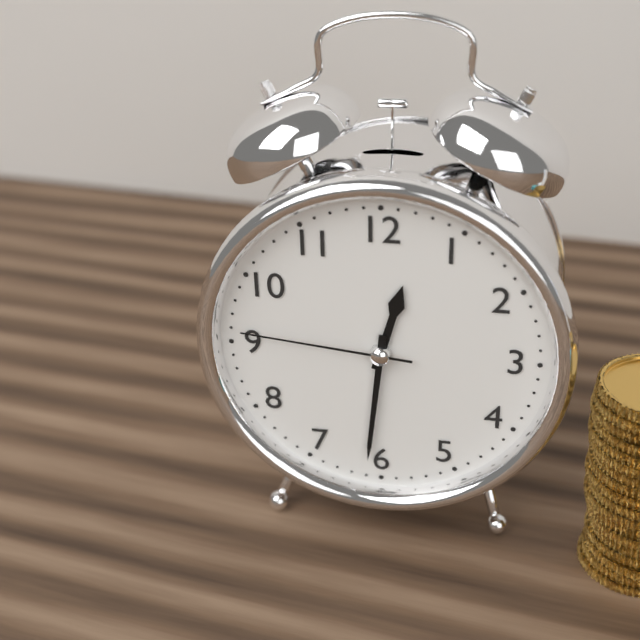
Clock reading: 12h31m46s
